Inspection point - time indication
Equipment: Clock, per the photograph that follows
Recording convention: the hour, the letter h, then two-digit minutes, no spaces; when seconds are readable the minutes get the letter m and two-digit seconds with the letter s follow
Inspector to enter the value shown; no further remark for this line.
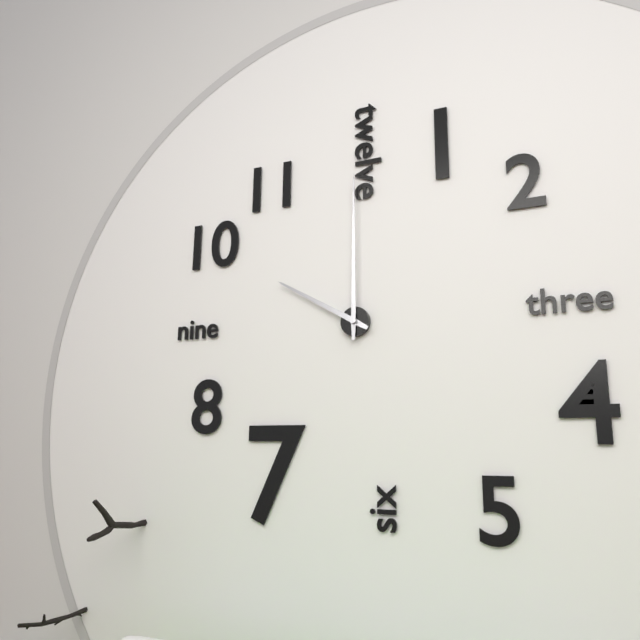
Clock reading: 10h00
